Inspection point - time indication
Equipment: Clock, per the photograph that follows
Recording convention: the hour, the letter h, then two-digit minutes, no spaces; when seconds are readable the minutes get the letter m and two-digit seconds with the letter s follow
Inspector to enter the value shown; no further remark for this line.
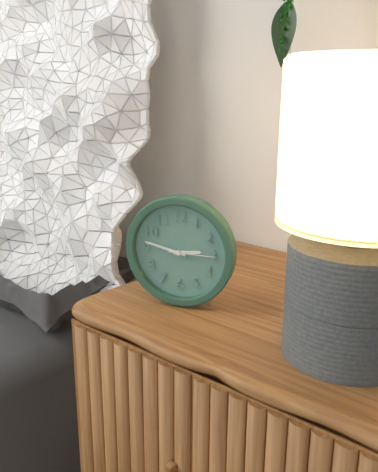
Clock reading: 2h47
